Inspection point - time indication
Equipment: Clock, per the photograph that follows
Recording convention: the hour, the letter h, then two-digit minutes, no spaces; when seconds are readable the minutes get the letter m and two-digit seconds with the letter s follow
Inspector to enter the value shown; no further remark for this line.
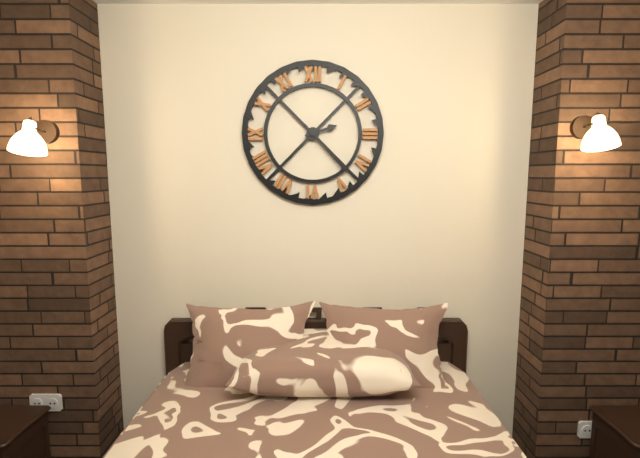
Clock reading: 2h23
